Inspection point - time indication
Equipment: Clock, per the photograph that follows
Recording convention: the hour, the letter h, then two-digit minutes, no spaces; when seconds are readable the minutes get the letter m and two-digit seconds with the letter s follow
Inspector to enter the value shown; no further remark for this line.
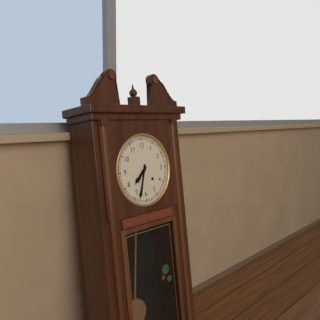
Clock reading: 7h33
